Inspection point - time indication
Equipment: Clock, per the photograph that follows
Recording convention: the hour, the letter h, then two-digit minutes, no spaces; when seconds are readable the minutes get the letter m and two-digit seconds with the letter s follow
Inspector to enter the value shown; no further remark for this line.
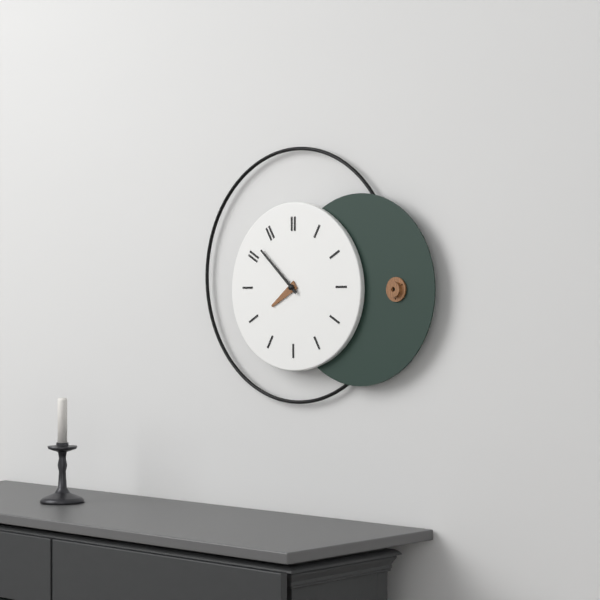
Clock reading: 7h52
